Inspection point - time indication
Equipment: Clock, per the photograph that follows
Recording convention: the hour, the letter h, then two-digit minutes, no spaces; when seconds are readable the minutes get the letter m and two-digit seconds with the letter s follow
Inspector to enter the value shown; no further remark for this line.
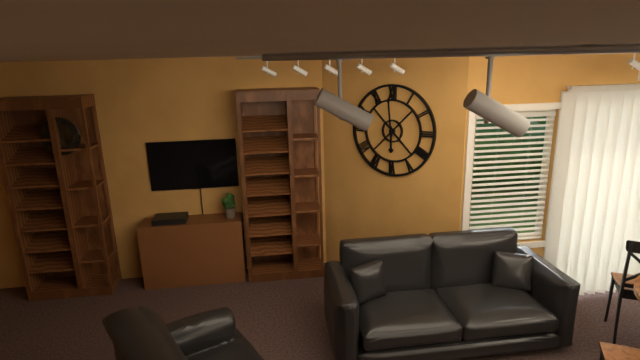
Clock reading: 5h59
